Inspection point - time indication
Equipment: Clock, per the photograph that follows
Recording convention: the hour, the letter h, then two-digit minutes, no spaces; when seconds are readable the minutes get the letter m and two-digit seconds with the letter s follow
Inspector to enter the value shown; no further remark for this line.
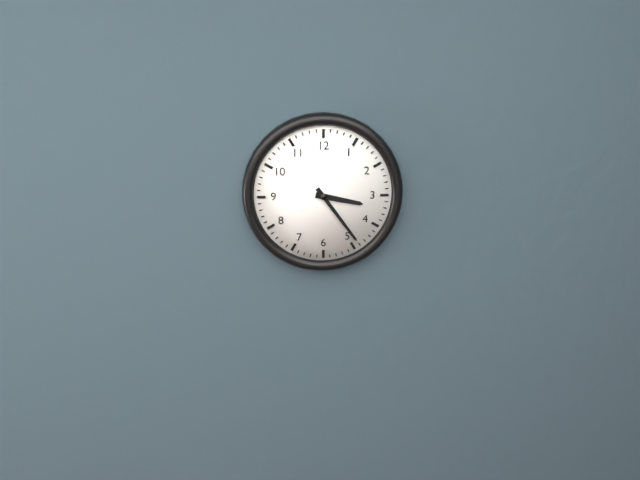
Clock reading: 3h24
